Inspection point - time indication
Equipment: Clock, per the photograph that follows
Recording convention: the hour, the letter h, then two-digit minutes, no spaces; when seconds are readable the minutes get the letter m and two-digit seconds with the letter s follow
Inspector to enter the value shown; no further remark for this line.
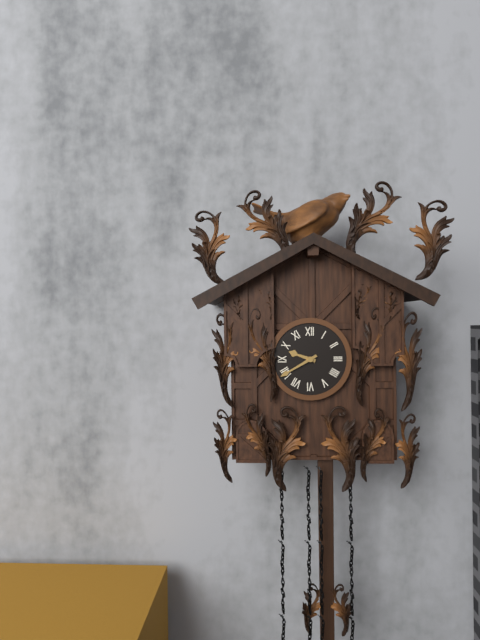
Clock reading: 9h40
